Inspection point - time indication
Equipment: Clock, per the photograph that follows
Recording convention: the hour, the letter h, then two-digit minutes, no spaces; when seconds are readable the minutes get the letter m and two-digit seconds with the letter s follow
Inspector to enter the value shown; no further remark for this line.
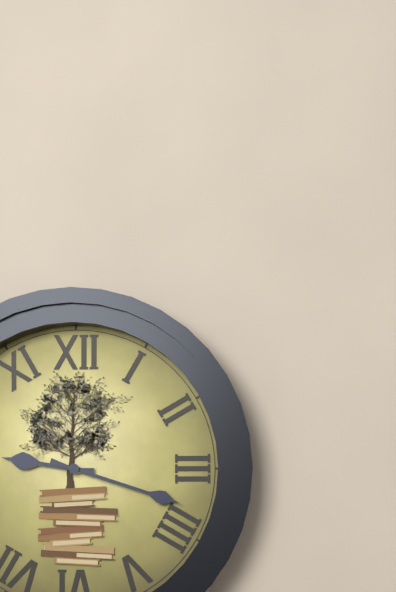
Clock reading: 9h18
